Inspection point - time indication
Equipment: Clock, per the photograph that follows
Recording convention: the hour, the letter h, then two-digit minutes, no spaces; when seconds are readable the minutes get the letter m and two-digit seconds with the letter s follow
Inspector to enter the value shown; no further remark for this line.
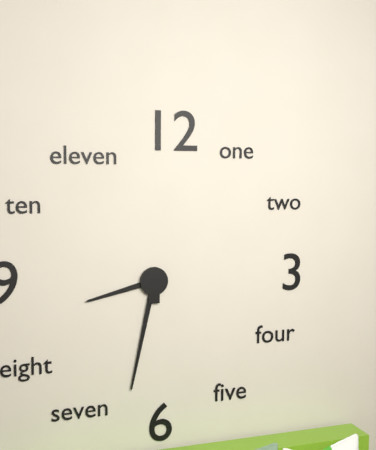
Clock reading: 8h32
